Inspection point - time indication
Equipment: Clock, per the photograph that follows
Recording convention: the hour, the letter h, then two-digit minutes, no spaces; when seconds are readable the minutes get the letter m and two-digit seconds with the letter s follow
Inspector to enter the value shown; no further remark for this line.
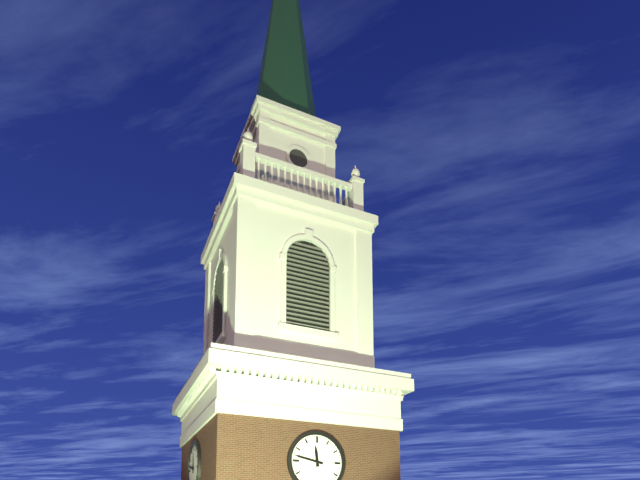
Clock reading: 11h47
